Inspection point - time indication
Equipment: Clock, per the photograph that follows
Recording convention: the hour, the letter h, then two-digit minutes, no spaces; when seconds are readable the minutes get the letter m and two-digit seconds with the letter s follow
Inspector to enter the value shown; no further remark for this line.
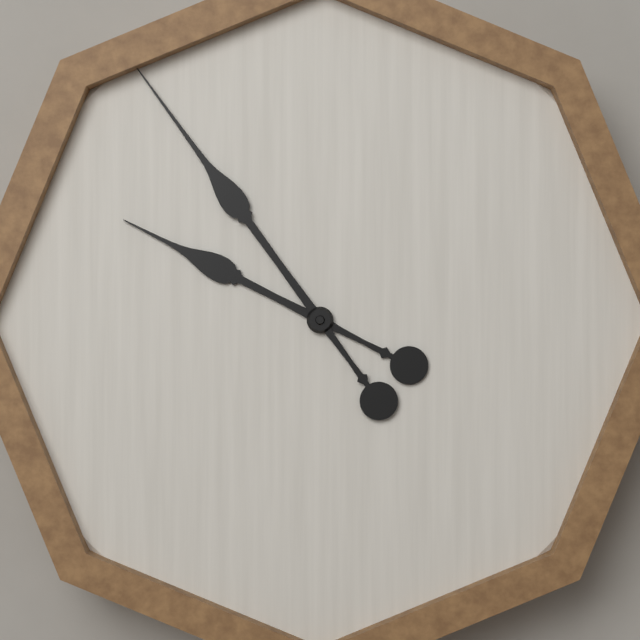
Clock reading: 9h54
